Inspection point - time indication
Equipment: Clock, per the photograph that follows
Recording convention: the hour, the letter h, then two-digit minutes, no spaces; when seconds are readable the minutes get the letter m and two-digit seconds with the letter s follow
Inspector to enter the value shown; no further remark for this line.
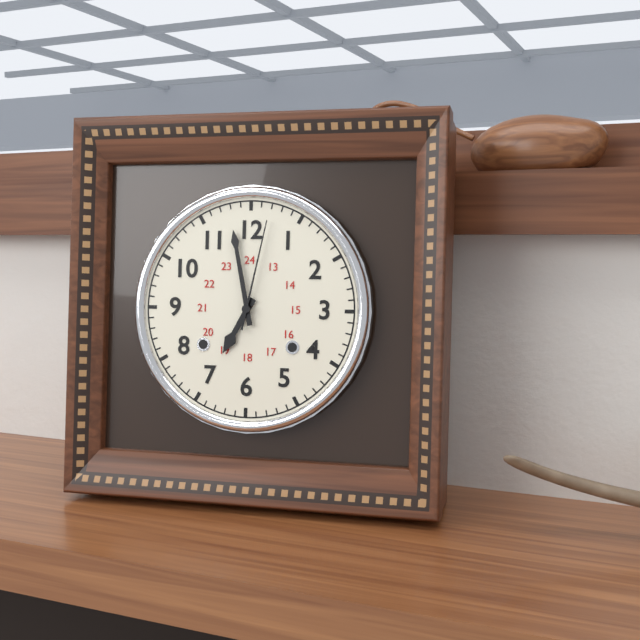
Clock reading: 6h58m02s
